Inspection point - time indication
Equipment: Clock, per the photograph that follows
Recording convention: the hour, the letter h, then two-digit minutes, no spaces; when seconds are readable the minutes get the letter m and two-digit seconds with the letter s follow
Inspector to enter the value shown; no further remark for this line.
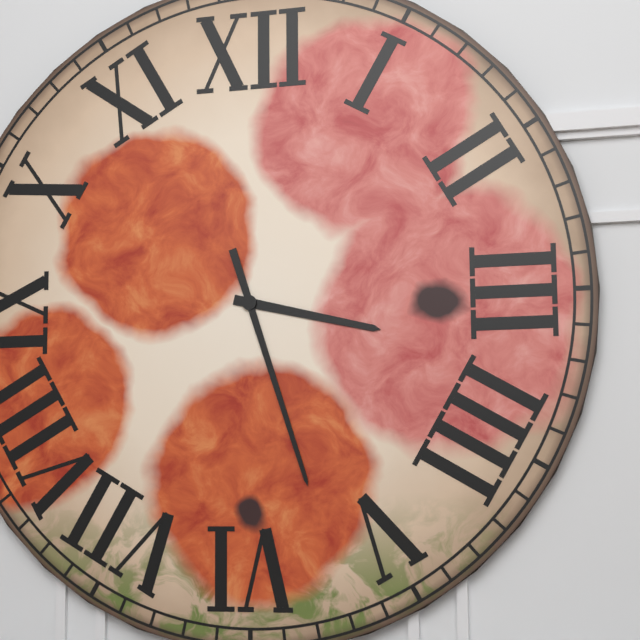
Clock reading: 3h27
